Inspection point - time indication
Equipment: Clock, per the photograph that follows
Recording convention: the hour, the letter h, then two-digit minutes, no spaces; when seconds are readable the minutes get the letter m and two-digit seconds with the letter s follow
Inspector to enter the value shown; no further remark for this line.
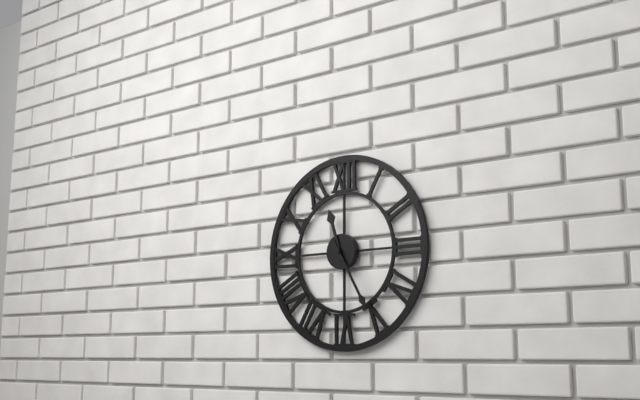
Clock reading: 11h25
